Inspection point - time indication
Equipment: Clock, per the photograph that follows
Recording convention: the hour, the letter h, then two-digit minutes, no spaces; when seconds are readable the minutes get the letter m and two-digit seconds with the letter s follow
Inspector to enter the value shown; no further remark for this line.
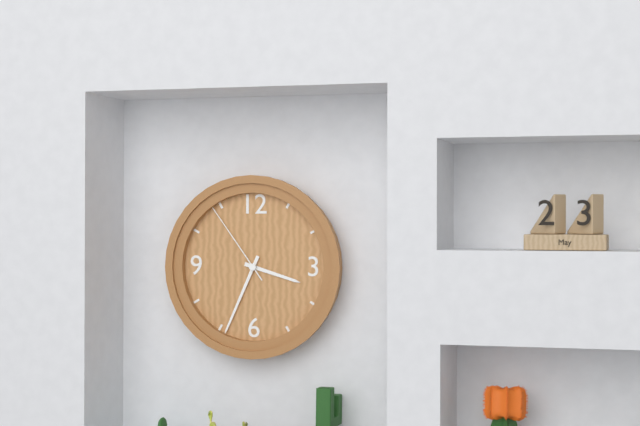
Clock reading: 3h34m54s
